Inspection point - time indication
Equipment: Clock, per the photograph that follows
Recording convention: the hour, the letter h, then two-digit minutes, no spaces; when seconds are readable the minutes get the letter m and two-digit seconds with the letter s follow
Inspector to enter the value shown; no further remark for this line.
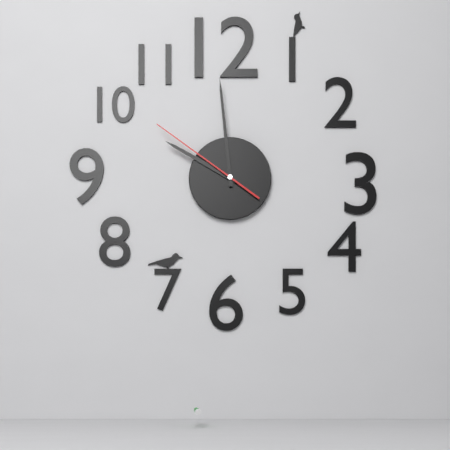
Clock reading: 9h59m51s
